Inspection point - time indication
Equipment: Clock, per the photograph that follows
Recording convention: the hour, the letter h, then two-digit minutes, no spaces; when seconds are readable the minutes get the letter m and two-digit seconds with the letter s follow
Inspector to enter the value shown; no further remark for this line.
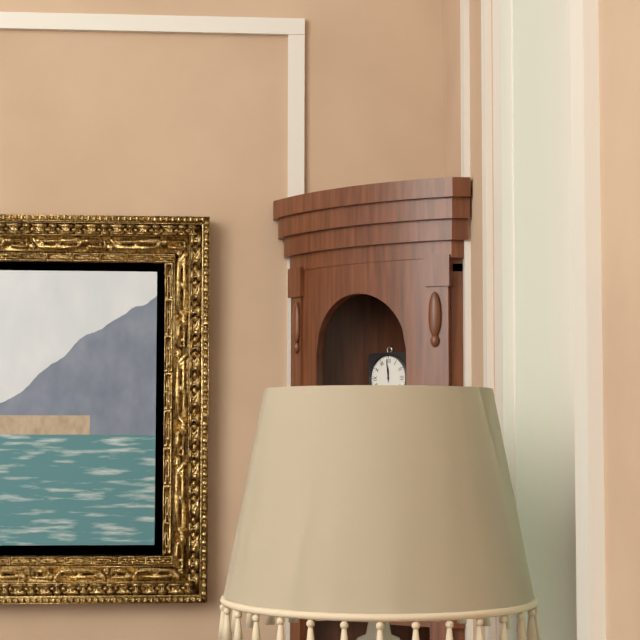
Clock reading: 11h59
